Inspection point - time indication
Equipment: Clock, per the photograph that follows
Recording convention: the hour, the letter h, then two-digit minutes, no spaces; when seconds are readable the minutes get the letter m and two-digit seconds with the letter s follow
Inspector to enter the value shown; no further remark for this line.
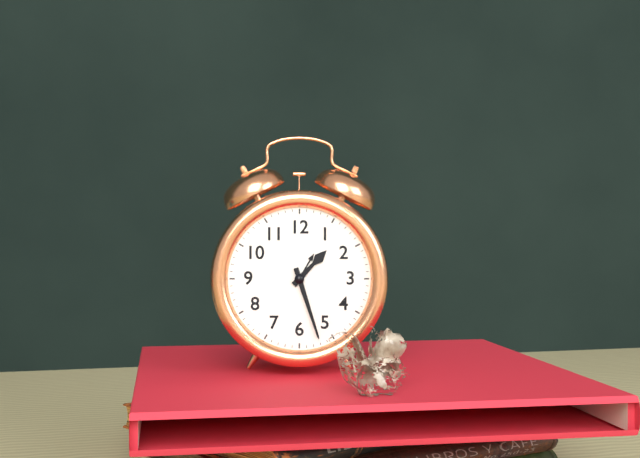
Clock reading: 1h27
